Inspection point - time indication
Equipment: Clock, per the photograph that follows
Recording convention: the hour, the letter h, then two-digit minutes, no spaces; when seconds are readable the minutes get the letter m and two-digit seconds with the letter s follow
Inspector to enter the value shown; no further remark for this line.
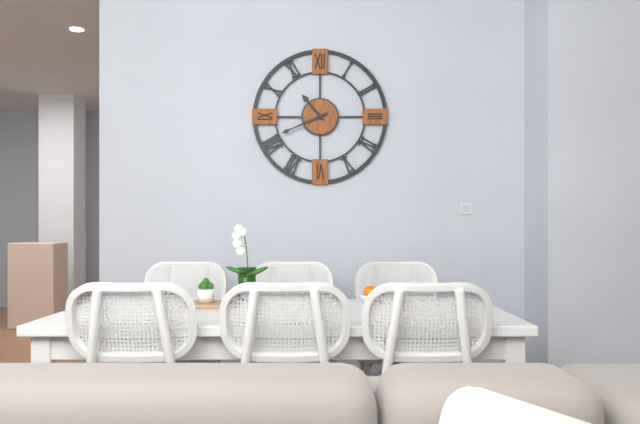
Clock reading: 10h41
